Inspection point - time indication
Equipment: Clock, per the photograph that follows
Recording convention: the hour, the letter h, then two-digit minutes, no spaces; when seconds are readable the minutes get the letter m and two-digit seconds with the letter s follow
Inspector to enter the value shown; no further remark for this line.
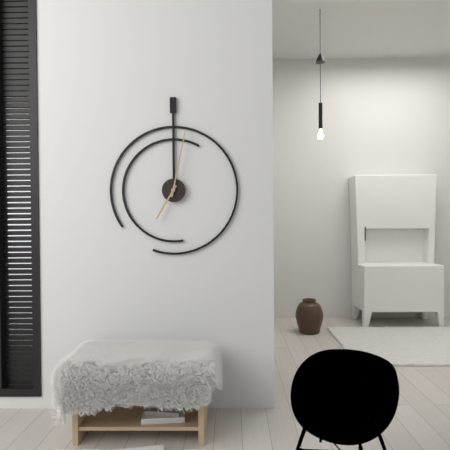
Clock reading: 7h02
